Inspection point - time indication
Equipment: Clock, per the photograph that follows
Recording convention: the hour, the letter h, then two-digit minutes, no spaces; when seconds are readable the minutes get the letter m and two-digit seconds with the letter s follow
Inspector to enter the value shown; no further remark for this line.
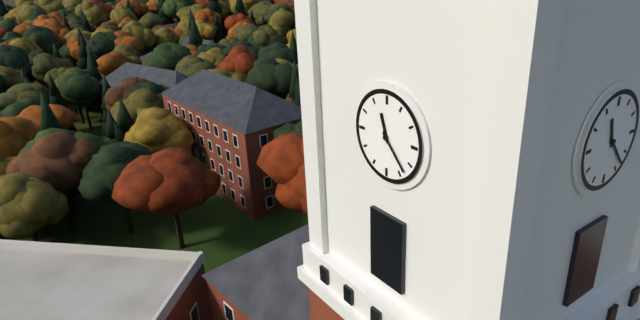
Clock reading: 11h23
